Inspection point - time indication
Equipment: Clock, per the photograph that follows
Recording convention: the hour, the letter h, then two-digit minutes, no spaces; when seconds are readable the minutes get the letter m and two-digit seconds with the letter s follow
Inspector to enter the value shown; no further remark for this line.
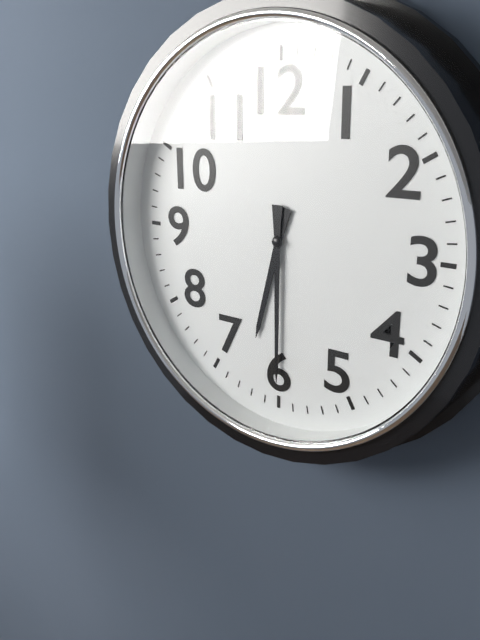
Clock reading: 6h30
